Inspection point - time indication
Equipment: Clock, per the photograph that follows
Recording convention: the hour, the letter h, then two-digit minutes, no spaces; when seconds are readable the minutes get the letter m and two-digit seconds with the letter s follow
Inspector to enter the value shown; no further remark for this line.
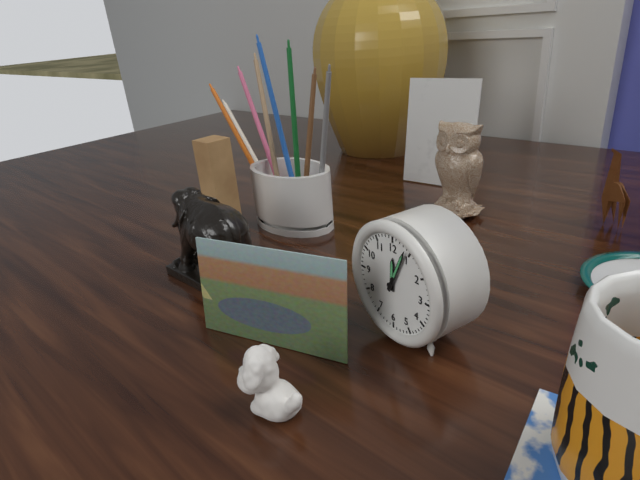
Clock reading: 12h04
